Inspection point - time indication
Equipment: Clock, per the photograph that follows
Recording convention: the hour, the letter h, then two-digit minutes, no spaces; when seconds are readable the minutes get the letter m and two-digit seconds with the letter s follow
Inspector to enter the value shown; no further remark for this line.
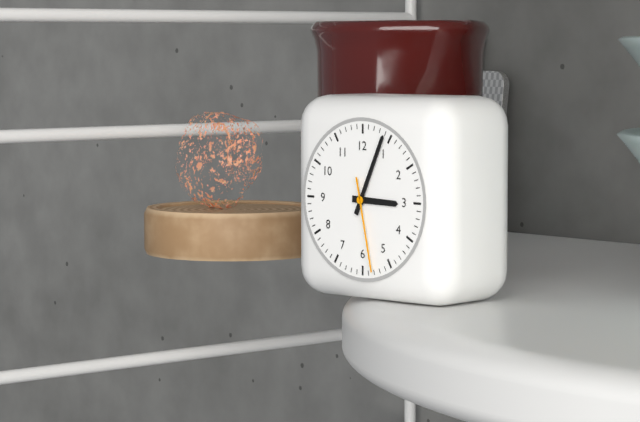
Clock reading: 3h04m28s
